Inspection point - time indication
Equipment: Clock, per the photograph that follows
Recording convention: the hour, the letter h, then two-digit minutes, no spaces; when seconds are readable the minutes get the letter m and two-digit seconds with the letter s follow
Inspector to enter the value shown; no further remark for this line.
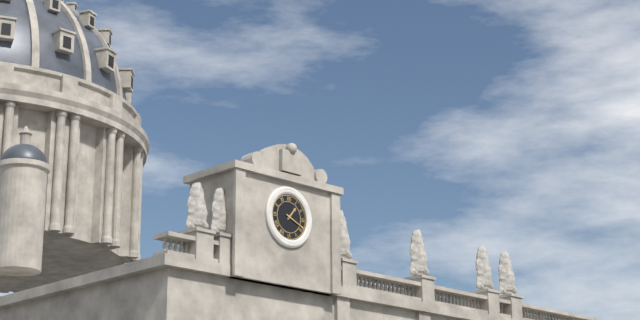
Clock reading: 1h19
